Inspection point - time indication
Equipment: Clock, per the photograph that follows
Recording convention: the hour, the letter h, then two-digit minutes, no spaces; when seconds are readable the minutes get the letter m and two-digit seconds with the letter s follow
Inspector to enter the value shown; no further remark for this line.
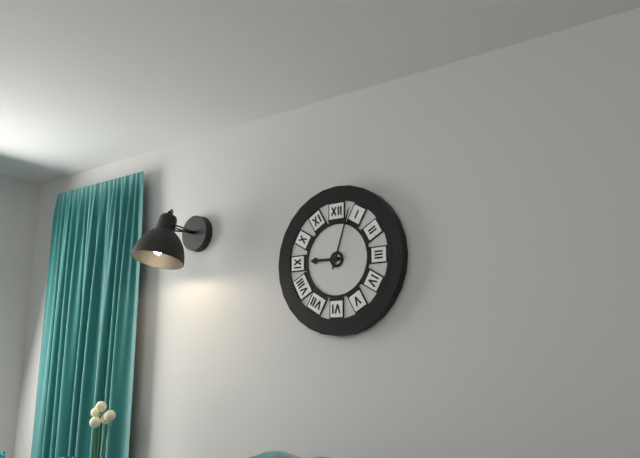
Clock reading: 9h03
